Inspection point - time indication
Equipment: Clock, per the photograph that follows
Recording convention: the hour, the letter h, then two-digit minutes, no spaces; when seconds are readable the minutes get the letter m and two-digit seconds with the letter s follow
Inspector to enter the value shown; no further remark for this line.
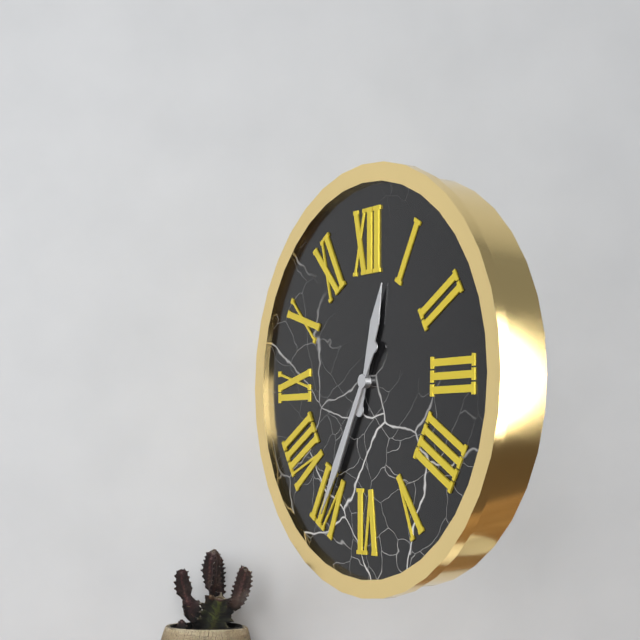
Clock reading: 12h35
